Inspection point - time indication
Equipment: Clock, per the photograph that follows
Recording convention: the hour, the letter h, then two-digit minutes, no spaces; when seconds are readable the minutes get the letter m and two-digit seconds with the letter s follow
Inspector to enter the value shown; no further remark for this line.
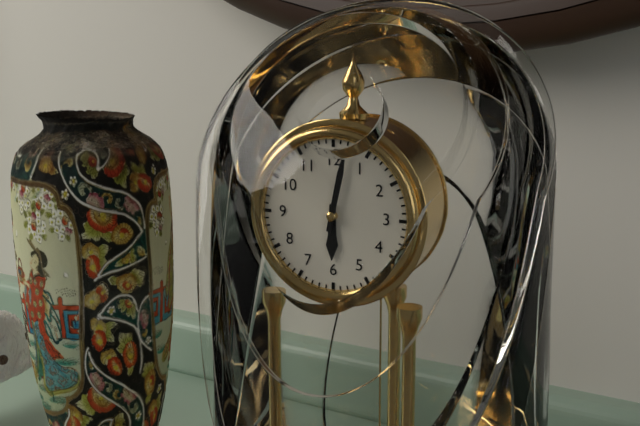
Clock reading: 6h02
